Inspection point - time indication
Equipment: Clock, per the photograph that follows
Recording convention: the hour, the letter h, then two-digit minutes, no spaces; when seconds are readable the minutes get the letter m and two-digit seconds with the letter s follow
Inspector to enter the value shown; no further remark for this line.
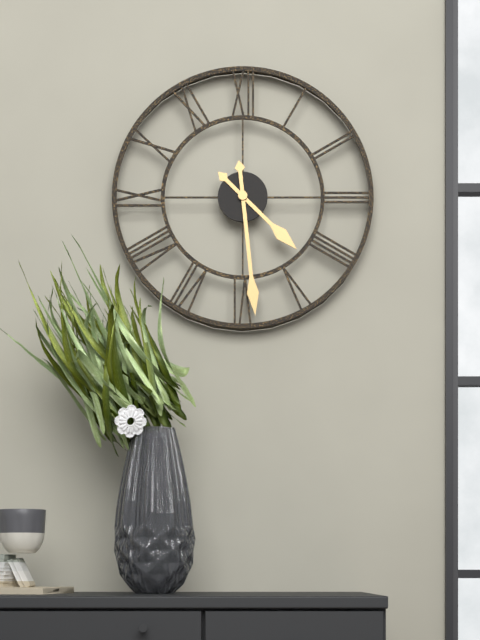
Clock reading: 4h29
